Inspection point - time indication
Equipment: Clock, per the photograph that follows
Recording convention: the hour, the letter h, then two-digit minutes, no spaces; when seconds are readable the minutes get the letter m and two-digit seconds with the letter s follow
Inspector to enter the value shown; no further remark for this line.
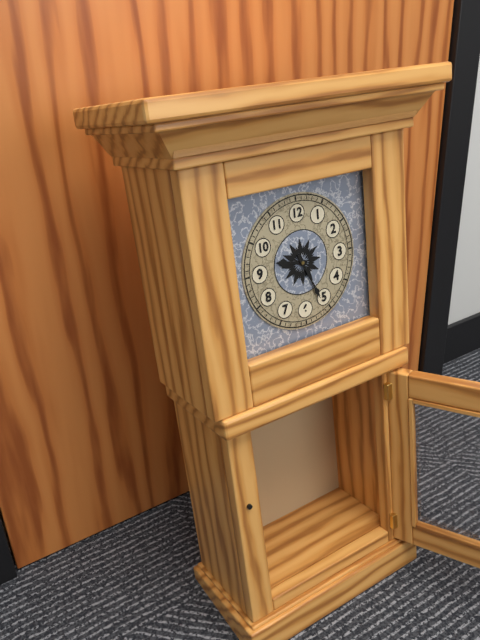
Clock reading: 9h26
